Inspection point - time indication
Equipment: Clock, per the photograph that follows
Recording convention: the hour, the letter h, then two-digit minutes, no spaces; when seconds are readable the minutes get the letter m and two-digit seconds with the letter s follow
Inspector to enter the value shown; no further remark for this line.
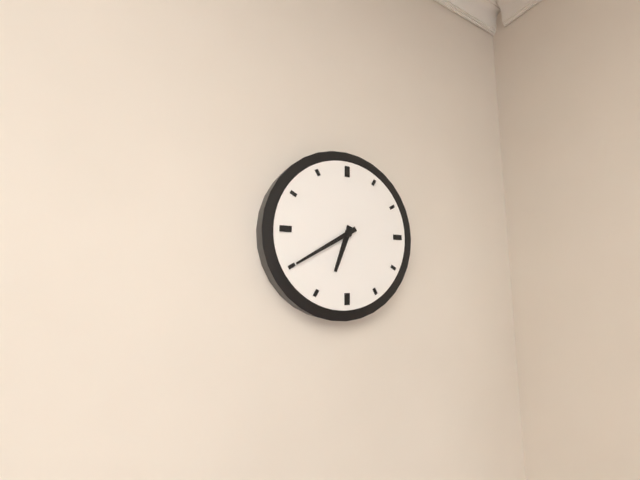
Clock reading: 6h40
